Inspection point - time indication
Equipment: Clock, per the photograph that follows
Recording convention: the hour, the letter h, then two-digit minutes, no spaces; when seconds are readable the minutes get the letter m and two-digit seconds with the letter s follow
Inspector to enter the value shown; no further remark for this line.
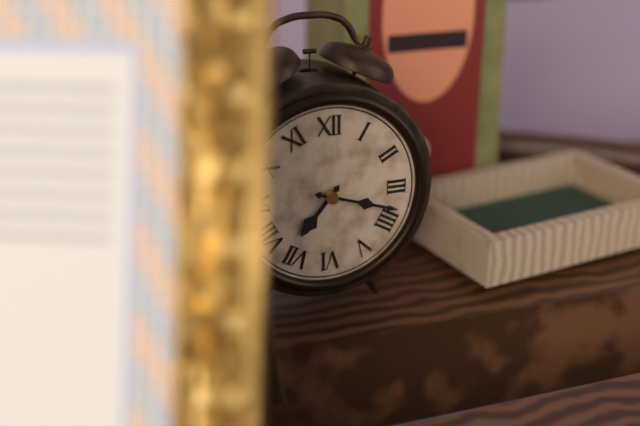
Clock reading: 7h18
